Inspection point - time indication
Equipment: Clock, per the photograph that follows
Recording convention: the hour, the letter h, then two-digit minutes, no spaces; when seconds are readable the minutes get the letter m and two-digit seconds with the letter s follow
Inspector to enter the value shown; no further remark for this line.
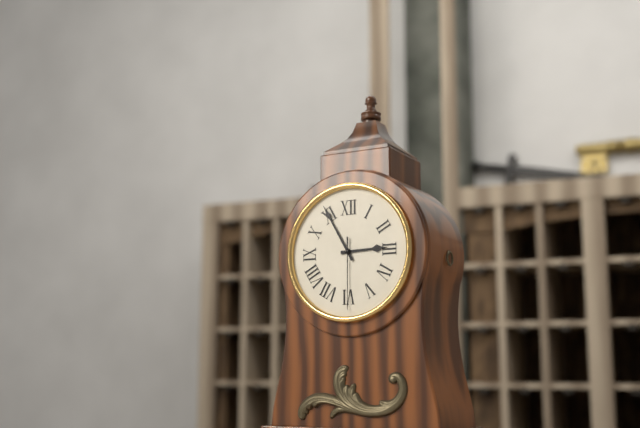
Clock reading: 2h55m30s
